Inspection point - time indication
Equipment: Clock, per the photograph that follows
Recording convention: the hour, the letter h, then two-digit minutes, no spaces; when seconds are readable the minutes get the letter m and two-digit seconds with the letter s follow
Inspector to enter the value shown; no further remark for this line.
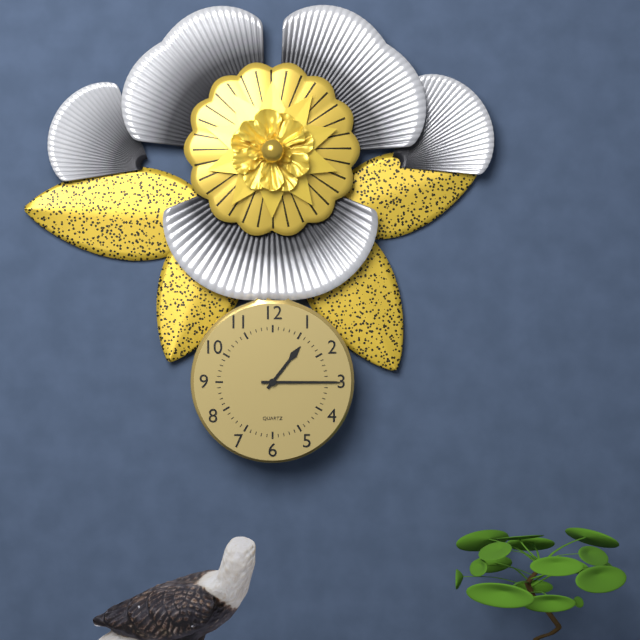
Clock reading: 1h15
